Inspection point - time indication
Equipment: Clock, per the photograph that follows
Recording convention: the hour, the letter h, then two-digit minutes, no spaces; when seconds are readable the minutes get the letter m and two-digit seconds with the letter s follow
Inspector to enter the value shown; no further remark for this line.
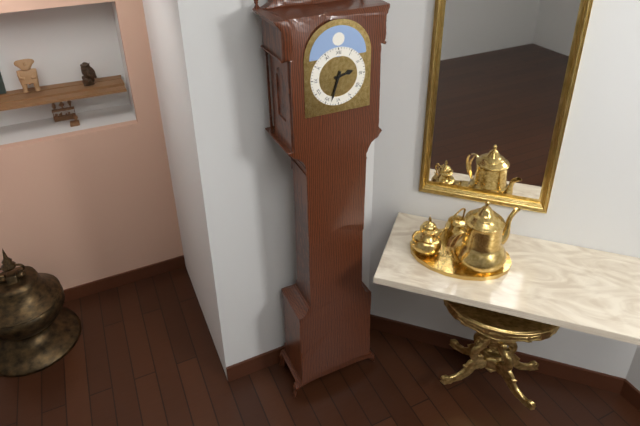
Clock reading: 2h33
